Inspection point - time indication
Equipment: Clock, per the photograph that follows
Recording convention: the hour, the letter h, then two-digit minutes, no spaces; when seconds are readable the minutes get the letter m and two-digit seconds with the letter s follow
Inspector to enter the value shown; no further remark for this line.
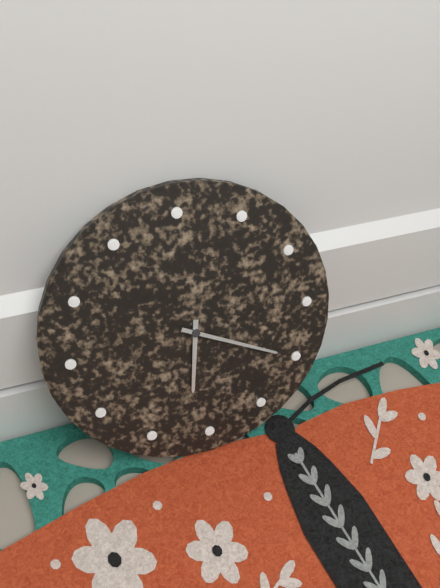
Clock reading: 6h20
